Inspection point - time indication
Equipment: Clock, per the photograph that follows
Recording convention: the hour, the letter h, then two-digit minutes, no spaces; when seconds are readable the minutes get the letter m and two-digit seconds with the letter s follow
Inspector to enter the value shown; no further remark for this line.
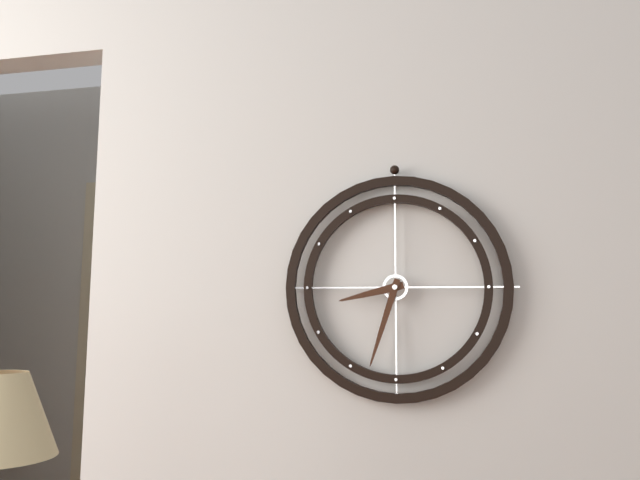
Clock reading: 8h33
